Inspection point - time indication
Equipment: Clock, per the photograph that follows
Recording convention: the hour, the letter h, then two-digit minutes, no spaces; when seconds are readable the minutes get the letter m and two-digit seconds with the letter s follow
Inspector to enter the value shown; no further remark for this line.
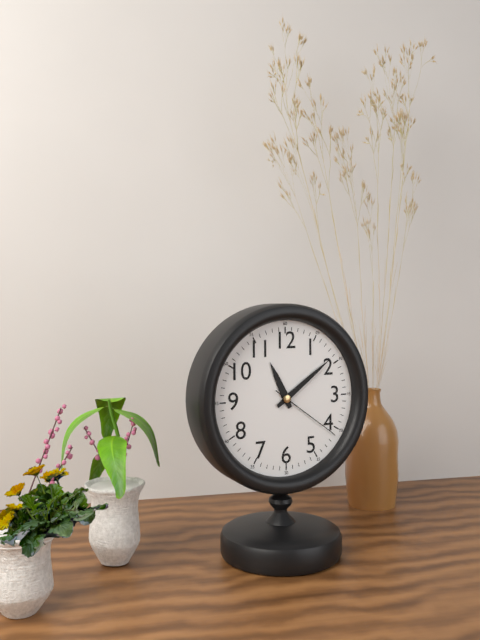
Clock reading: 11h09m21s
